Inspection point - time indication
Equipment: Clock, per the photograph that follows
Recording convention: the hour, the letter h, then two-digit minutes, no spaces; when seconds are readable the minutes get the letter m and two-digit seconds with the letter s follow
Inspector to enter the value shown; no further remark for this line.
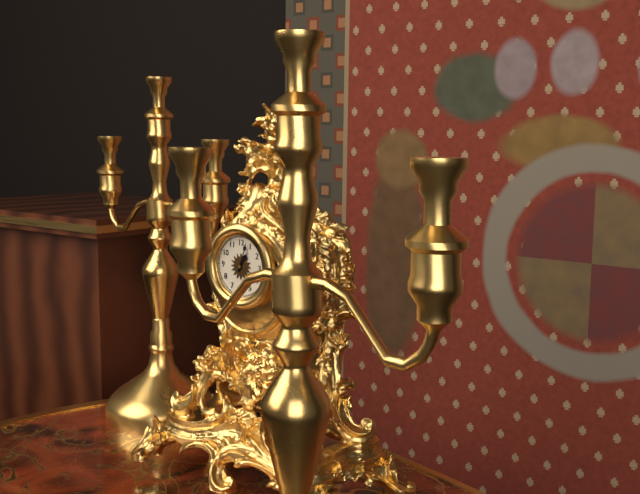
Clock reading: 1h03
